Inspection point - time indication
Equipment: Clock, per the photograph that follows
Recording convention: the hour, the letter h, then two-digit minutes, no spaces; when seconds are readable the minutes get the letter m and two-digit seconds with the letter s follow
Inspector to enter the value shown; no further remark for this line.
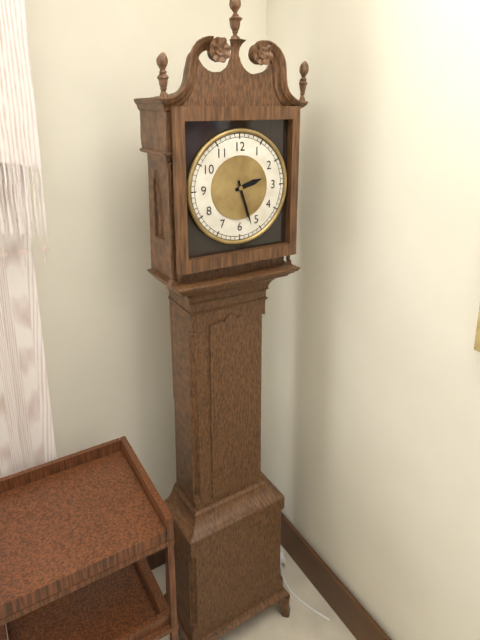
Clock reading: 2h27
